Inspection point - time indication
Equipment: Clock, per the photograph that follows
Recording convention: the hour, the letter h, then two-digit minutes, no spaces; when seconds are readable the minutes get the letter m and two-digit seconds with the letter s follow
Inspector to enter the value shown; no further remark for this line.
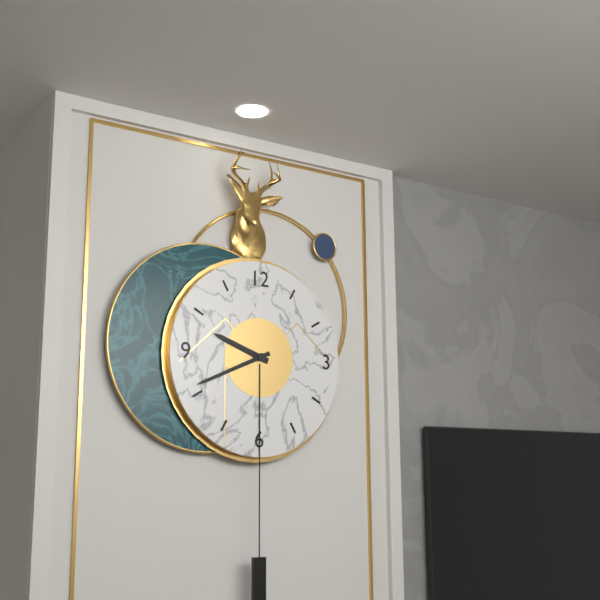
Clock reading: 9h41
